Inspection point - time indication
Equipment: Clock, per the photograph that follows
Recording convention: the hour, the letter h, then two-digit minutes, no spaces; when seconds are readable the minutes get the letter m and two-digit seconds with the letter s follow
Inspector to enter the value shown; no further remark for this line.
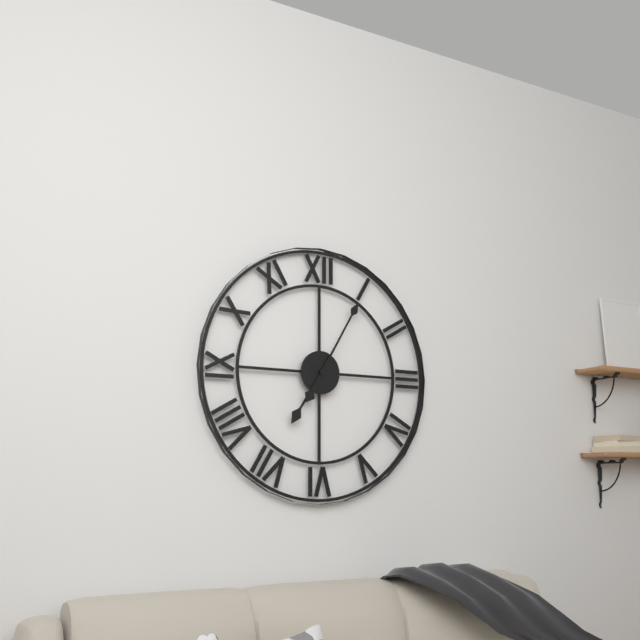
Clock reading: 7h05
